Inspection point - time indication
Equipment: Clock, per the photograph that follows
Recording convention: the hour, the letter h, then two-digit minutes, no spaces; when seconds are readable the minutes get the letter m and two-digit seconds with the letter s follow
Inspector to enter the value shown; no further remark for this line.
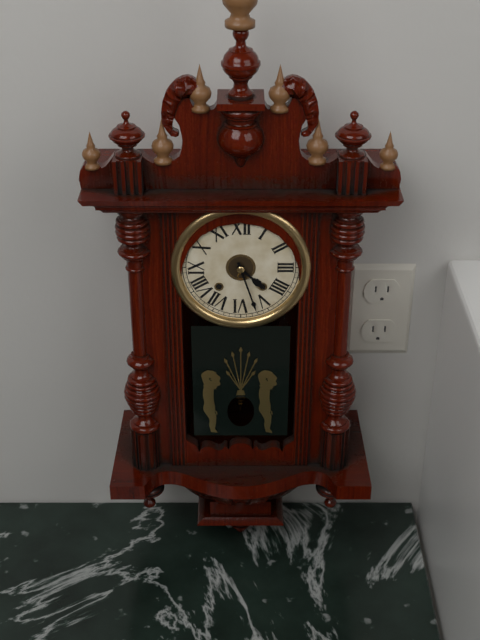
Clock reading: 4h27
